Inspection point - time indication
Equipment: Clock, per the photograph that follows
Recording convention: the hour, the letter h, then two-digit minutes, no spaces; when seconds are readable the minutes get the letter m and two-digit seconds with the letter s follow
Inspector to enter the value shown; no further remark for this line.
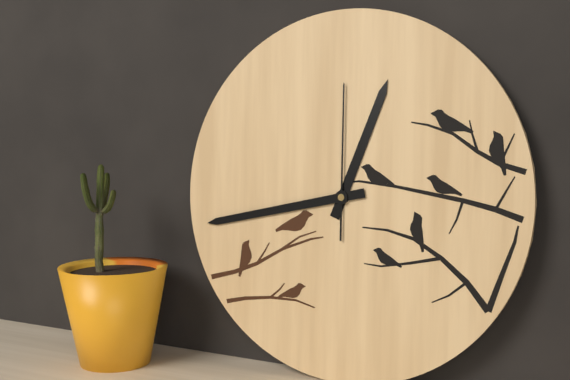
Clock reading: 12h43m00s
